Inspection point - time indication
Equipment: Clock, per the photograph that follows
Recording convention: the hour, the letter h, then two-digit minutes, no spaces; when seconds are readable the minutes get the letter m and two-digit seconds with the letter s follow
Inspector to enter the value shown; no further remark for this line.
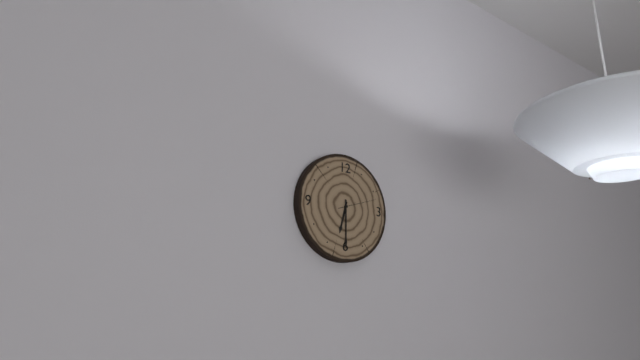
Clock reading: 6h30
